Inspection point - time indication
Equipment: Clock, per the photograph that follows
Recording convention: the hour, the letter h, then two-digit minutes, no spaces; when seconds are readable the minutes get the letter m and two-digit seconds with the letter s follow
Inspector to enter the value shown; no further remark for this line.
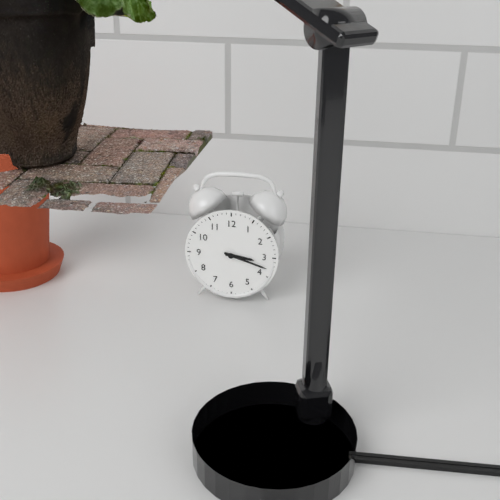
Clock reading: 3h18
